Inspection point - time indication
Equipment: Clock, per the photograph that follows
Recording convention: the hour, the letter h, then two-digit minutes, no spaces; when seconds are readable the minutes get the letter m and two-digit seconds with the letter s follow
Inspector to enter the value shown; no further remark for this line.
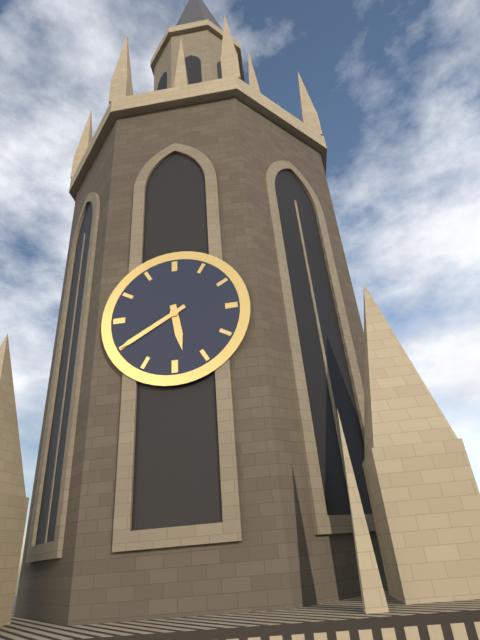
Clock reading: 5h40
